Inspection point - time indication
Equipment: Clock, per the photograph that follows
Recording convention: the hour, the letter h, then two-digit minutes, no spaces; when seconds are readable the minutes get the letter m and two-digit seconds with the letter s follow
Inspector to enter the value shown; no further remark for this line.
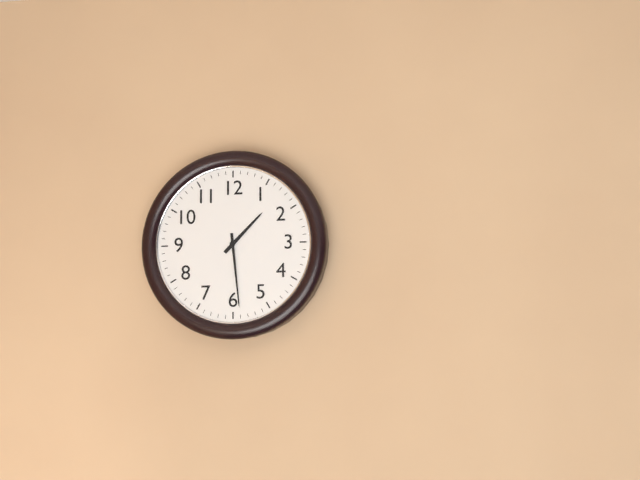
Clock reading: 1h29
